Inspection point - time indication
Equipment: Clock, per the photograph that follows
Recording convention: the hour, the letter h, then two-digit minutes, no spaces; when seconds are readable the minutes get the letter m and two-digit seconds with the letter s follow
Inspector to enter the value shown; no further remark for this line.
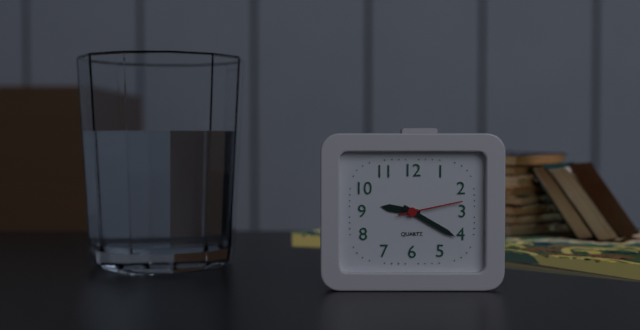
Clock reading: 9h20m13s
